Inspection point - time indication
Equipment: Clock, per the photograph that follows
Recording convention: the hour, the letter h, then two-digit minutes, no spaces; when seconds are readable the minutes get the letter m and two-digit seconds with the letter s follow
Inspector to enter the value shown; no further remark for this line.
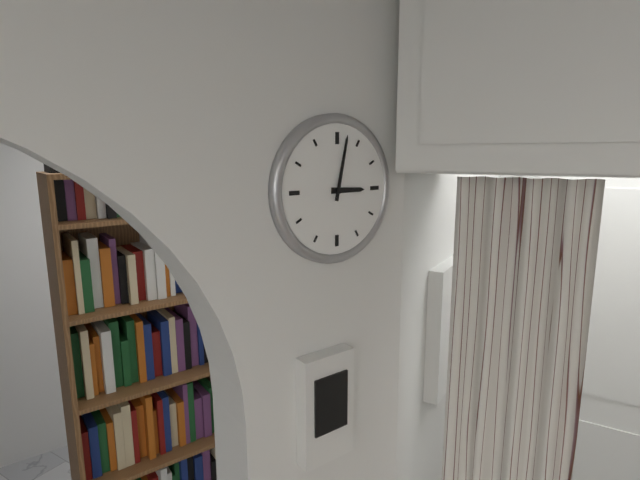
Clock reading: 3h02
